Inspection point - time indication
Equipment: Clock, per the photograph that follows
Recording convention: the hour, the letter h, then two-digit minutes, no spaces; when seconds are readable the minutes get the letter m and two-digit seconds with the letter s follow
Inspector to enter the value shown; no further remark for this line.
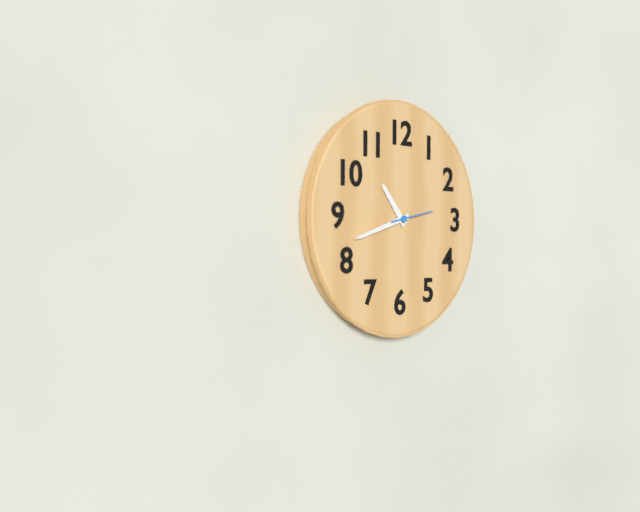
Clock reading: 10h42
